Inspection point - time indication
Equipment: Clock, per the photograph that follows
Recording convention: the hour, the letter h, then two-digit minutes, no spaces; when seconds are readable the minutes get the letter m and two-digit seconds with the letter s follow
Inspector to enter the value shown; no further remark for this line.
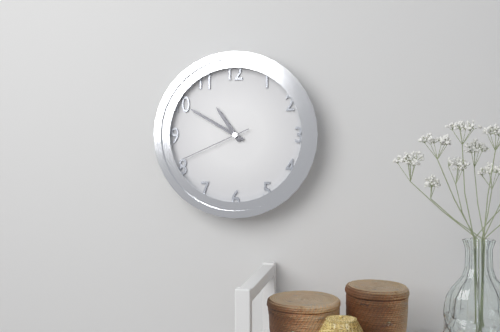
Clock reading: 10h50m41s
